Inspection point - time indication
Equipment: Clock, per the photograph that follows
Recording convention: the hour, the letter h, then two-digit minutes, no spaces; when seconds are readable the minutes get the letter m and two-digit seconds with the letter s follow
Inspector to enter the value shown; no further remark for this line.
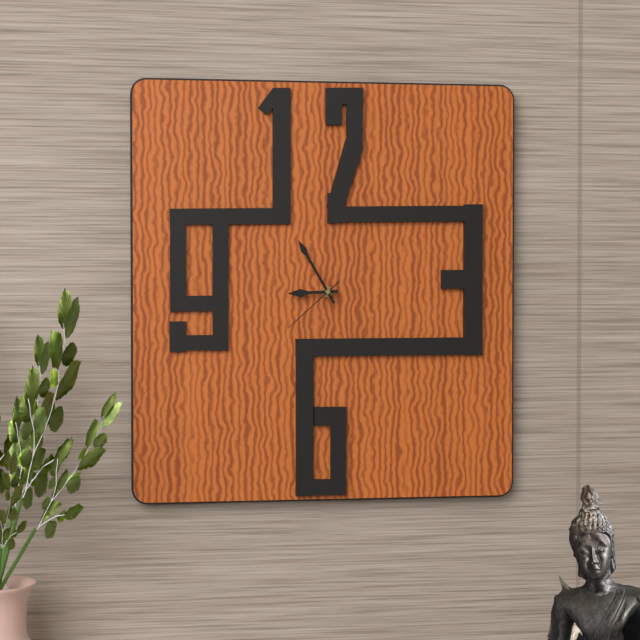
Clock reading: 8h55m38s
